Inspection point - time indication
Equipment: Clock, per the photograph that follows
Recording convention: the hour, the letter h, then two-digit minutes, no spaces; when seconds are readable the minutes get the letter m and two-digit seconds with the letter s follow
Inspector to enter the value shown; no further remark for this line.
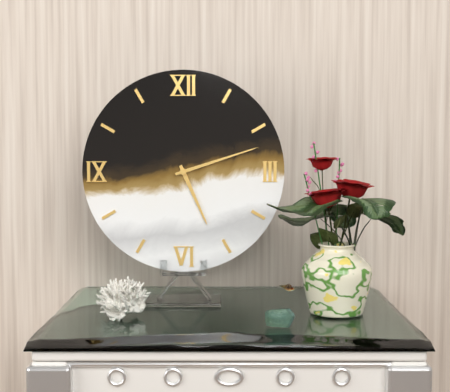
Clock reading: 5h12
